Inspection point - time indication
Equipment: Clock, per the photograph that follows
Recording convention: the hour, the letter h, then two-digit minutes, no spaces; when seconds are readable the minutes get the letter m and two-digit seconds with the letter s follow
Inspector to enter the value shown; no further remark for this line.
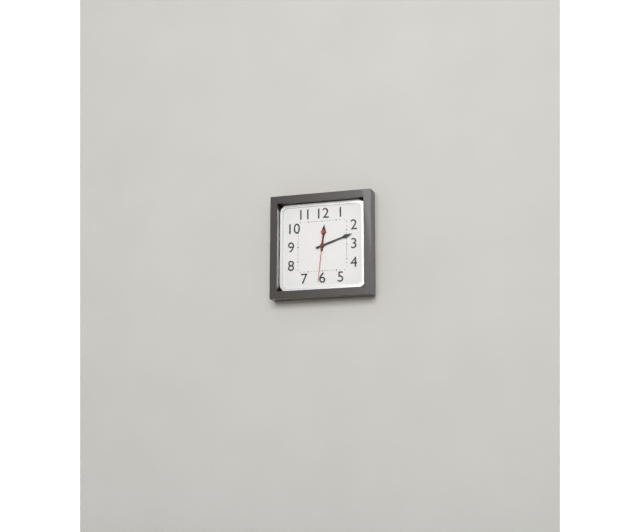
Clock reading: 12h12
